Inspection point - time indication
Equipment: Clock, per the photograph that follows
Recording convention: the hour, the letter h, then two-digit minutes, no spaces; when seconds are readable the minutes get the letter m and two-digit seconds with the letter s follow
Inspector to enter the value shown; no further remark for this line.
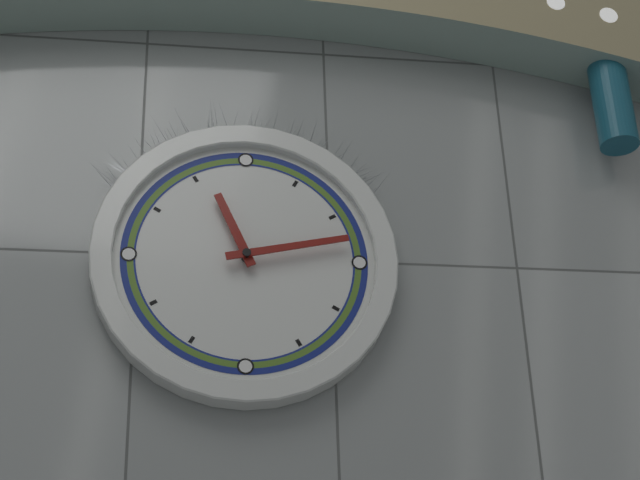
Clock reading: 11h13
